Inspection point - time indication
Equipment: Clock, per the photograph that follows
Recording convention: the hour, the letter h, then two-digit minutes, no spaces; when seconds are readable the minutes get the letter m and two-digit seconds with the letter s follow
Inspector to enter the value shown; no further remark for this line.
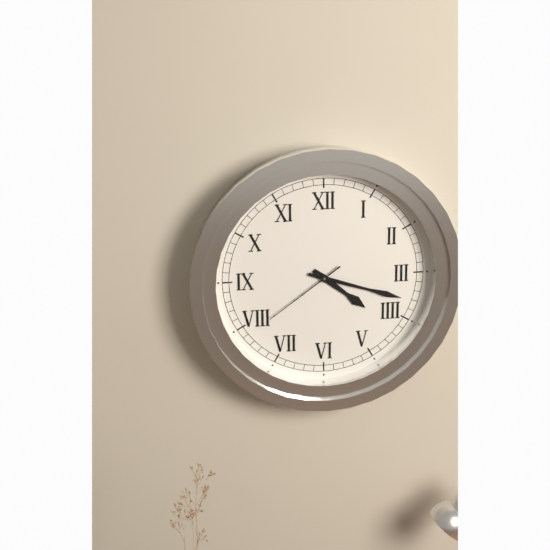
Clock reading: 4h18m39s
